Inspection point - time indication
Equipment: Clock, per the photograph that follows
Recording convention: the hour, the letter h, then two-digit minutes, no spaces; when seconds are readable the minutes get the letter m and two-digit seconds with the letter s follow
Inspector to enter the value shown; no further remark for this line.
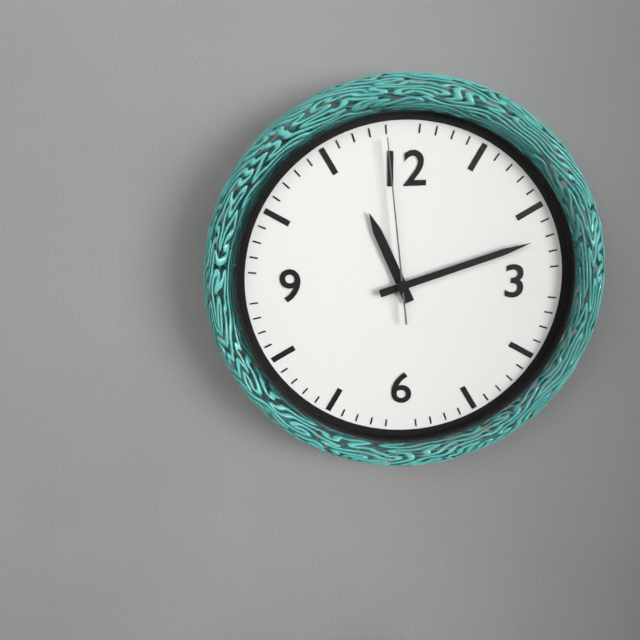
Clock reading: 11h12m59s
